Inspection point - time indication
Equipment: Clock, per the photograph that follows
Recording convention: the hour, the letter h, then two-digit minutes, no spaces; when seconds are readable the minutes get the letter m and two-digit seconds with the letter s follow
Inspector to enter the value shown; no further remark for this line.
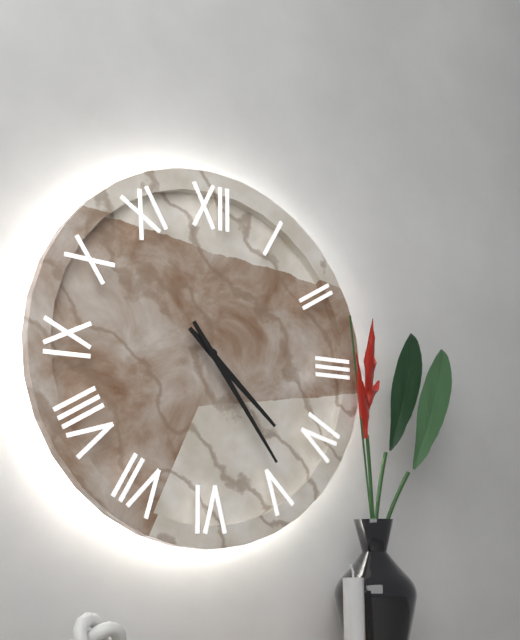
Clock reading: 4h24
